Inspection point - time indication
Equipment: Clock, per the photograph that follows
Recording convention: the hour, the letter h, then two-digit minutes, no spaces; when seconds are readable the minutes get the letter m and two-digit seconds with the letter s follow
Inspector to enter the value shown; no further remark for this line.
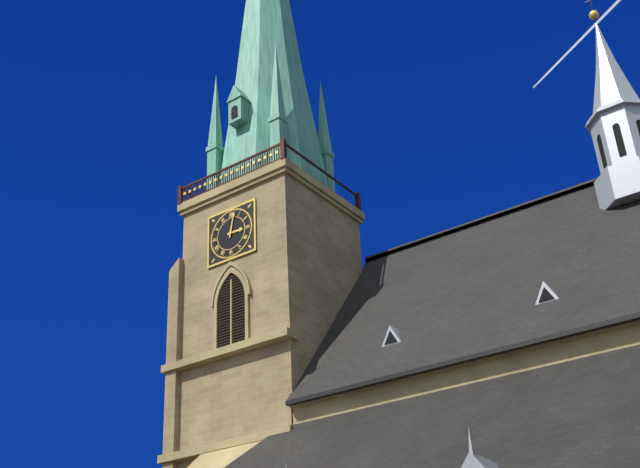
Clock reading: 3h02
